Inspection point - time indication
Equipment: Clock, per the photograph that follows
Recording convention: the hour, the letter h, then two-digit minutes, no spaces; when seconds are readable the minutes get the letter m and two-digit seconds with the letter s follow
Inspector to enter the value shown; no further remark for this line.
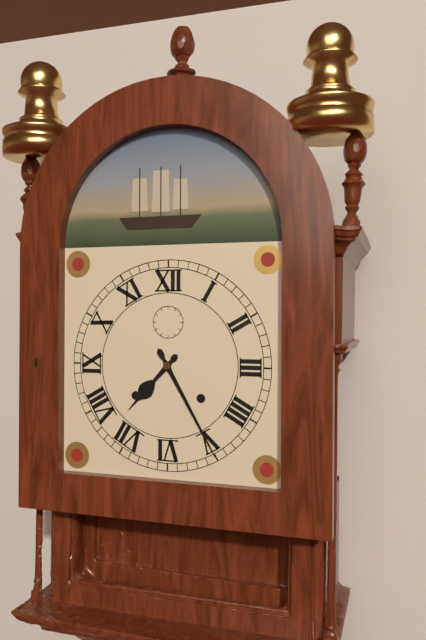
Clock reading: 7h25
